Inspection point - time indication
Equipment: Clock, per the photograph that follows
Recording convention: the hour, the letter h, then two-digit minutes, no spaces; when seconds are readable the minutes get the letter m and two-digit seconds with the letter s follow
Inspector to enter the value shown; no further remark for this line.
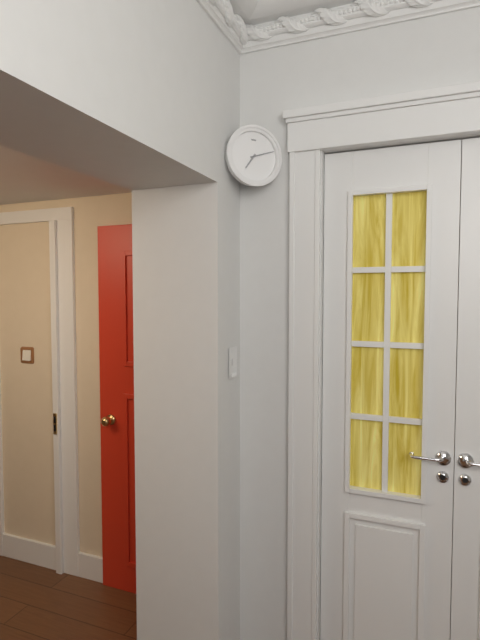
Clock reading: 7h12
